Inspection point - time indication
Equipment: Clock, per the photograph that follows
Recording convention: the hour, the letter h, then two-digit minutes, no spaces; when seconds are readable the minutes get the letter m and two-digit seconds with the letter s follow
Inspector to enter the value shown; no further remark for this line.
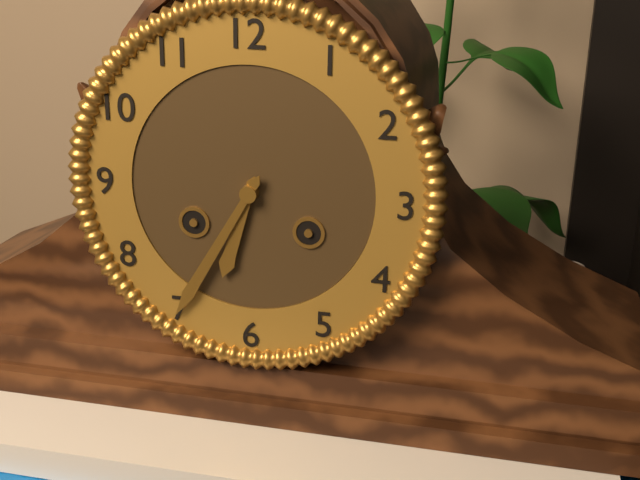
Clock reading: 6h35
